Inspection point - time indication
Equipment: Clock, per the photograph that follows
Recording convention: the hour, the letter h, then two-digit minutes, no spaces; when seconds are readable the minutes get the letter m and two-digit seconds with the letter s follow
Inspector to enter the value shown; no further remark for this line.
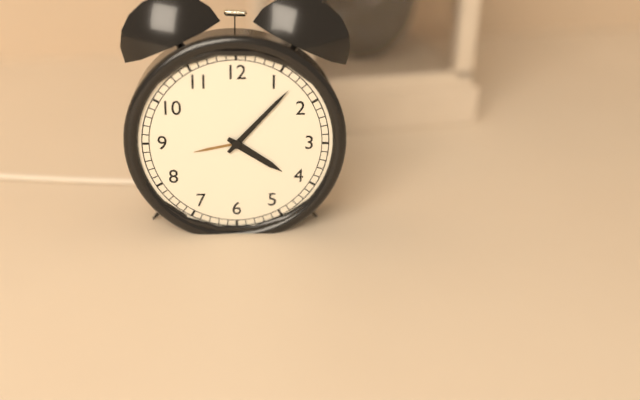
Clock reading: 4h07
